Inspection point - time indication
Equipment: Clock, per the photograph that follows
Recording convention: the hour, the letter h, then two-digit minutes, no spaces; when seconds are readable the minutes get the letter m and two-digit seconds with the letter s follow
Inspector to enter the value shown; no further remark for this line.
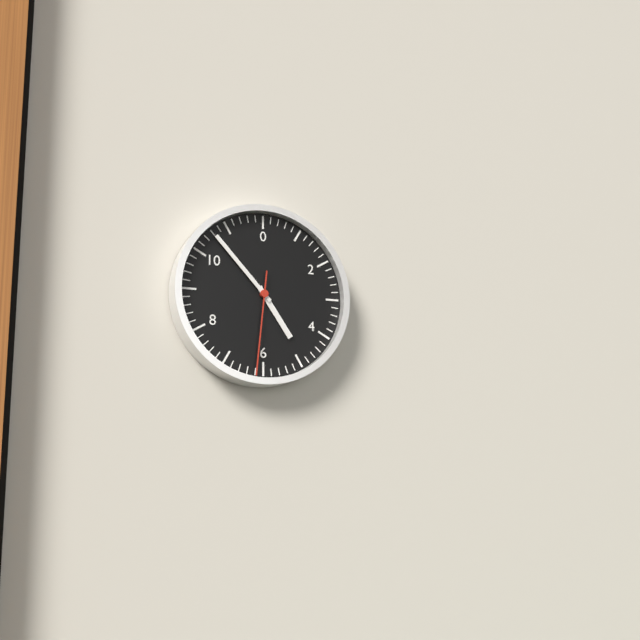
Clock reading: 4h53m31s
